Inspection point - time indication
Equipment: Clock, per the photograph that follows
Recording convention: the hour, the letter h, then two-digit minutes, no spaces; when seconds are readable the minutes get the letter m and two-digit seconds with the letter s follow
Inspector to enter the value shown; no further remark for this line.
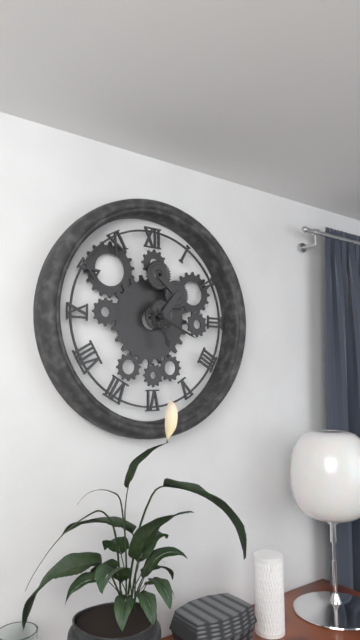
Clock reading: 5h19
